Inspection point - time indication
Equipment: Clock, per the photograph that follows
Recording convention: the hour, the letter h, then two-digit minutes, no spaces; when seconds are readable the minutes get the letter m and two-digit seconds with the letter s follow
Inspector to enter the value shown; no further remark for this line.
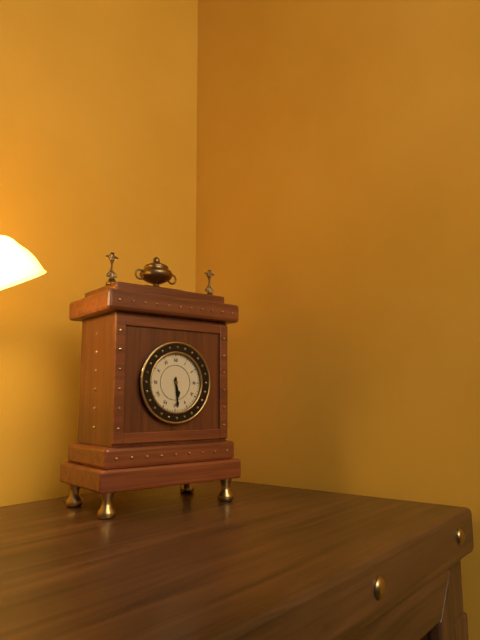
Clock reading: 5h29
